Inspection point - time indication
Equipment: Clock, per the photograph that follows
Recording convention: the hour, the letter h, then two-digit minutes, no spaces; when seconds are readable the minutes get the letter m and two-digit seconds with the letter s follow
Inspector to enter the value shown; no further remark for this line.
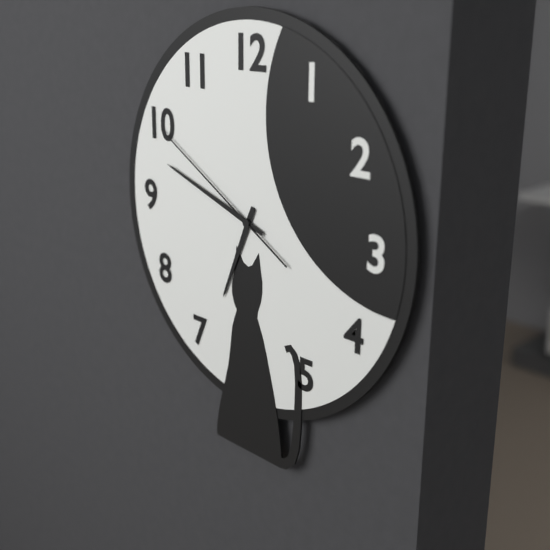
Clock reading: 6h48m50s
